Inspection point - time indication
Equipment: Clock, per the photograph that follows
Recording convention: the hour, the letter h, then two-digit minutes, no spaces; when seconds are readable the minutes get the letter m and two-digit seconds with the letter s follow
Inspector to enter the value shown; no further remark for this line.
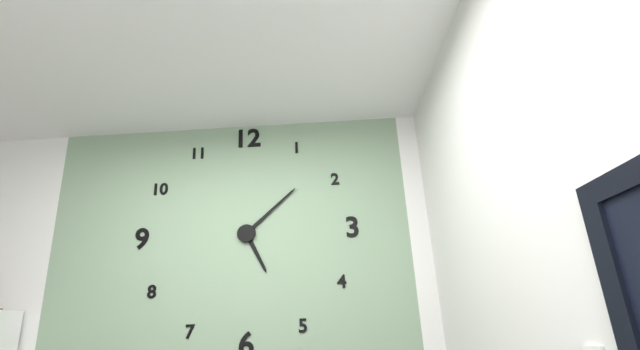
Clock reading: 5h08
